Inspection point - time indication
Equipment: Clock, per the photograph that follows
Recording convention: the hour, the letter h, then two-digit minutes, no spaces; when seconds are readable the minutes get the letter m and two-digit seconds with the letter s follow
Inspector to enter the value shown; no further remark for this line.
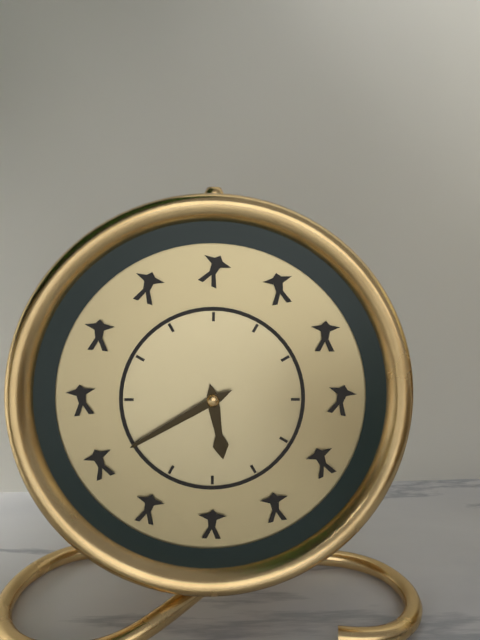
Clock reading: 5h40
